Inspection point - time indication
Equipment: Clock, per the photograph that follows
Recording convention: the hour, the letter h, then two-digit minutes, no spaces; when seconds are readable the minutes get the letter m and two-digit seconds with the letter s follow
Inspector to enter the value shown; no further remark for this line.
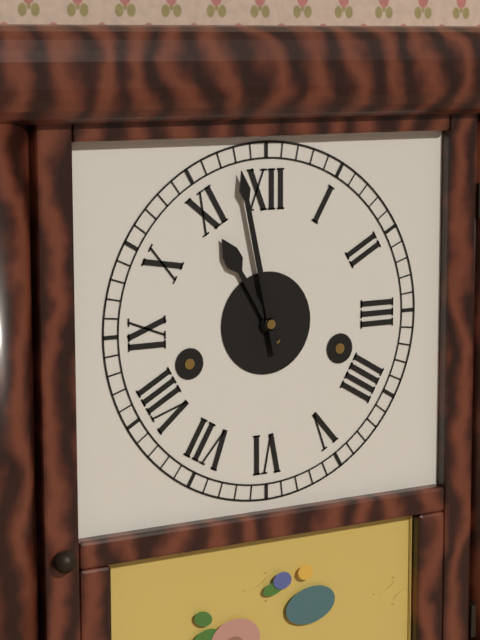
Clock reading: 10h58
